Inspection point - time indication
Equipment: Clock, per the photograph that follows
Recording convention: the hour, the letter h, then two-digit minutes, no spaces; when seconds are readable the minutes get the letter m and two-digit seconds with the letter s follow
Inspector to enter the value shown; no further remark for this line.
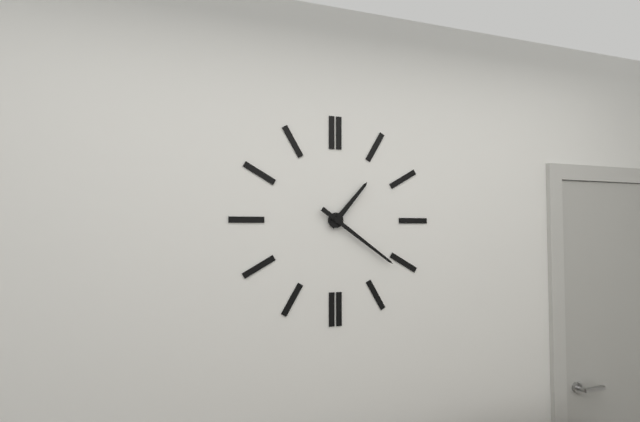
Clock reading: 1h21
